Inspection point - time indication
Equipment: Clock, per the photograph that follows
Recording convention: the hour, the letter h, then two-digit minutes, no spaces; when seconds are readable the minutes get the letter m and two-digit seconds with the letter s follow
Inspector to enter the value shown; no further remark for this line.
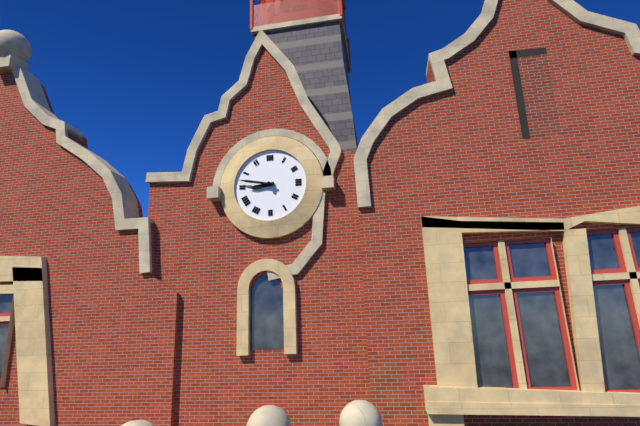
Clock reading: 8h47
